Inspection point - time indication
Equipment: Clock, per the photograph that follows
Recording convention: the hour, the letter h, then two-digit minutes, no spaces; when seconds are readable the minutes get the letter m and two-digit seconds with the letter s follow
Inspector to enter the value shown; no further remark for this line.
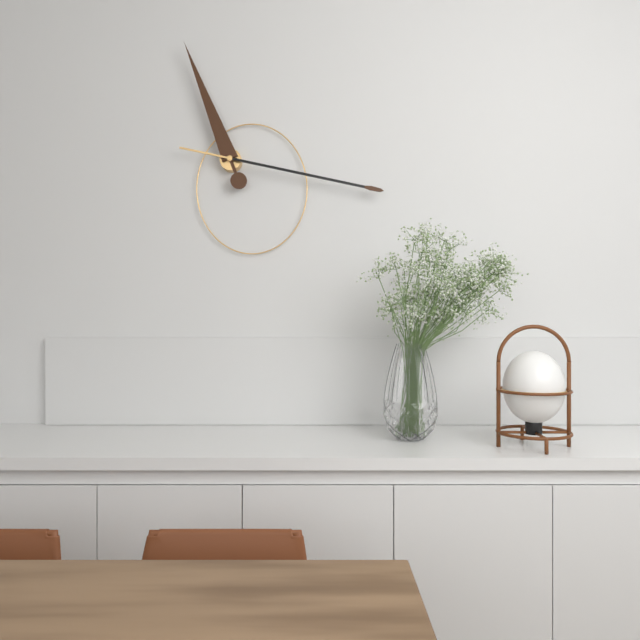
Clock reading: 11h17
